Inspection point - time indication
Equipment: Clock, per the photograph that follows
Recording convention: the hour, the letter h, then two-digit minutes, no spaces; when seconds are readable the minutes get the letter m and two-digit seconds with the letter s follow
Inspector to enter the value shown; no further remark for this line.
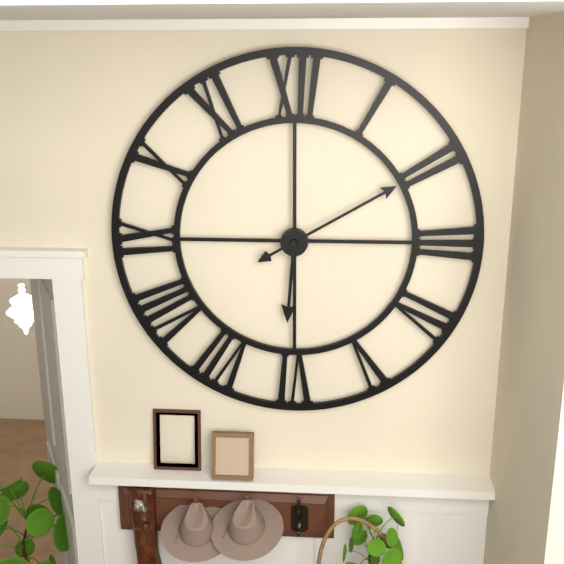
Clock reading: 6h10
